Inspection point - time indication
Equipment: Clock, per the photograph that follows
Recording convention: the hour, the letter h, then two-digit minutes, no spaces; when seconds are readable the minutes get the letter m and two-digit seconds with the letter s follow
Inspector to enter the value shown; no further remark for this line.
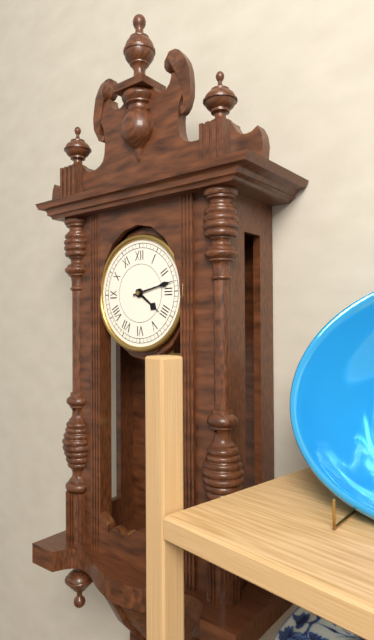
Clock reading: 4h13
